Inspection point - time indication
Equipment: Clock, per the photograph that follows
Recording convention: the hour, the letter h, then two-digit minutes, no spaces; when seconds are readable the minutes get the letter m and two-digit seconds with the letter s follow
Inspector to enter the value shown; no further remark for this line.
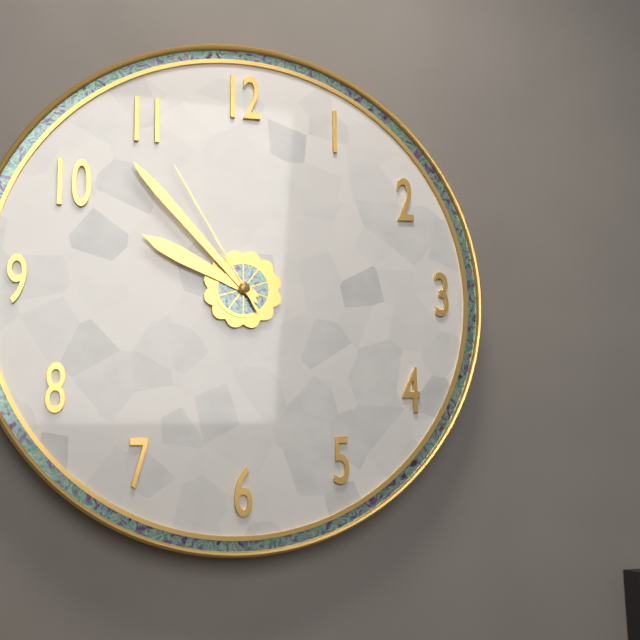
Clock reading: 9h53m55s
